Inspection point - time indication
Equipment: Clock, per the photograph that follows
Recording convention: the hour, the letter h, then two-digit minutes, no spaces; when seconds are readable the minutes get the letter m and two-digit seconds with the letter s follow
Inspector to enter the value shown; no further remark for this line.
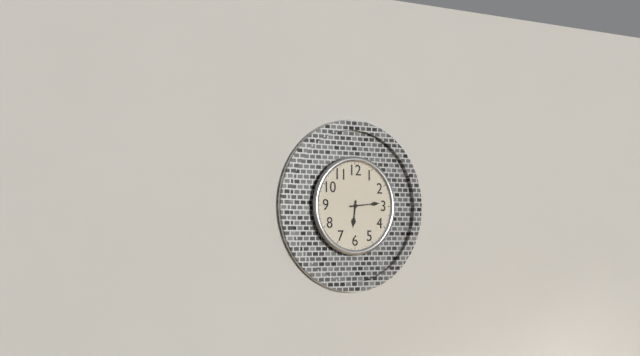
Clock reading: 6h14
